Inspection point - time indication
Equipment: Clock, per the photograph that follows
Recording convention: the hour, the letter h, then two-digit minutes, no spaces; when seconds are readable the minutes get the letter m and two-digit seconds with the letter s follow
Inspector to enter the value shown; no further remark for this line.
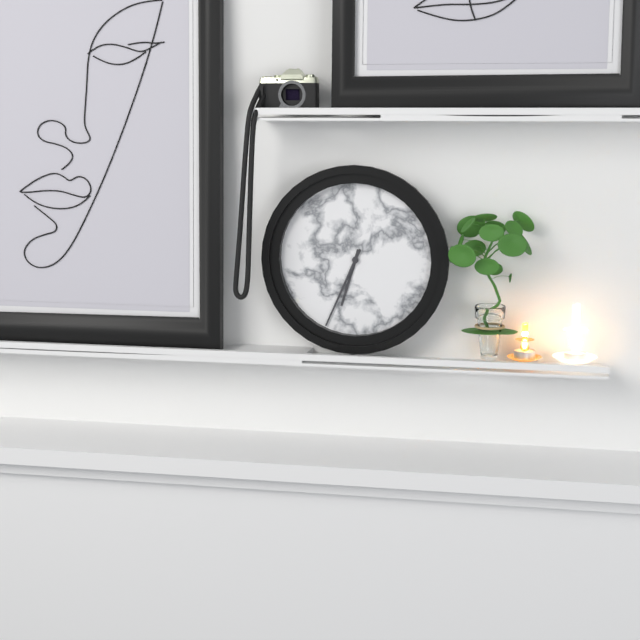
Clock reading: 6h34
